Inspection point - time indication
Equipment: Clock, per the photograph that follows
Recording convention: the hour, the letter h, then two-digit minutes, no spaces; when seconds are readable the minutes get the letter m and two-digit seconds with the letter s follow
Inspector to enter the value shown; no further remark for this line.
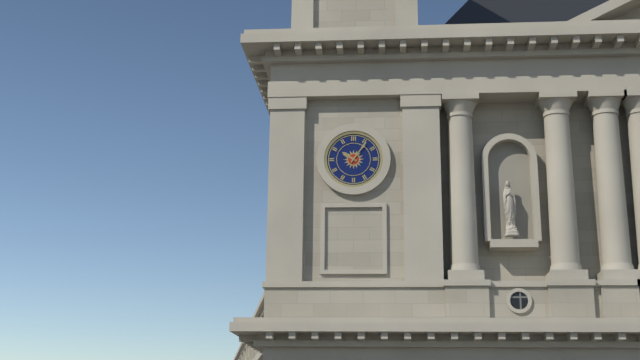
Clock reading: 10h06
